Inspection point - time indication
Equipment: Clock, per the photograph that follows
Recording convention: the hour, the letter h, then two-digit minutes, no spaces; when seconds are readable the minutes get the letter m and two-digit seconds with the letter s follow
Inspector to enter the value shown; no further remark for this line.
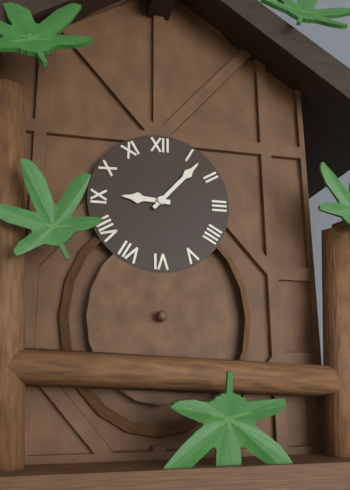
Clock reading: 9h07
